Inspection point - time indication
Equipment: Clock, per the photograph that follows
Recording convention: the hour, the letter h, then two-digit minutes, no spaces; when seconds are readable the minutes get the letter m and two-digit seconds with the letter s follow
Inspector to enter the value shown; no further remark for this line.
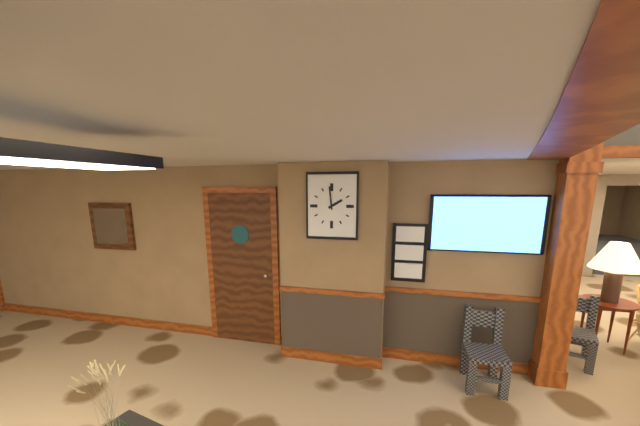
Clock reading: 1h59
